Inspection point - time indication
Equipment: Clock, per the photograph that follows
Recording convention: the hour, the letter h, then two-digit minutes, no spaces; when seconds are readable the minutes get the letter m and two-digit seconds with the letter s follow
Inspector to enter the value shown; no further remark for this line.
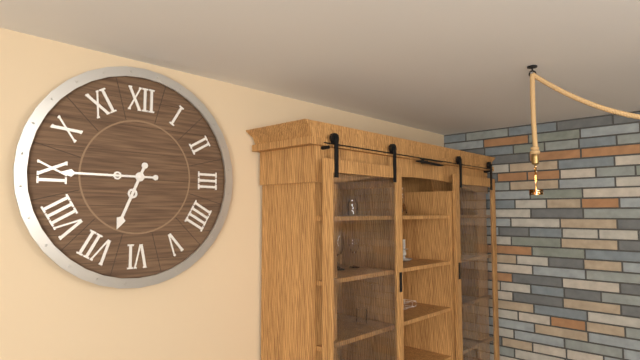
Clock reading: 6h45
